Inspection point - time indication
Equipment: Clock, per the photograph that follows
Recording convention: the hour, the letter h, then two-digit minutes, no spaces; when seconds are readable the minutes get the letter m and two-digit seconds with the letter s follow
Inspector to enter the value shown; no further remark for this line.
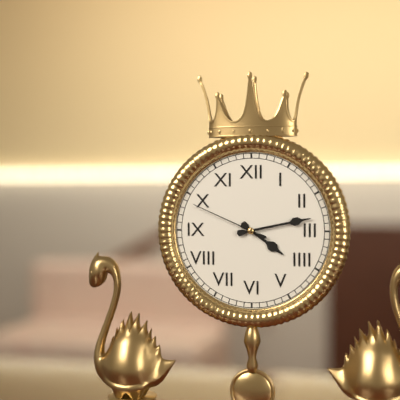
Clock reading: 4h13m49s
